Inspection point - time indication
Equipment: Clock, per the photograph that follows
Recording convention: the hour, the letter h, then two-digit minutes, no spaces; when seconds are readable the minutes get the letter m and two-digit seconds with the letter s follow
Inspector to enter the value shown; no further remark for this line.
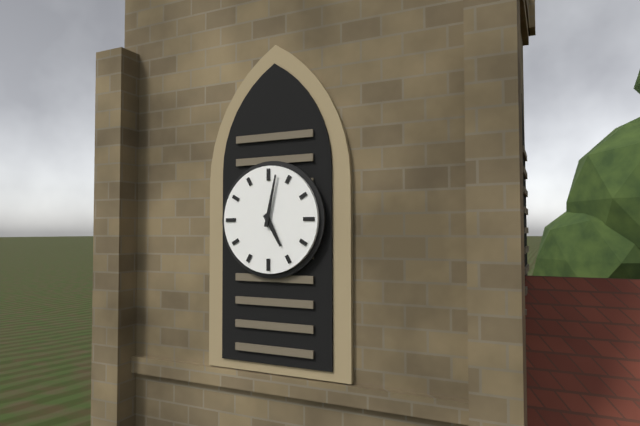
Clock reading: 5h02
